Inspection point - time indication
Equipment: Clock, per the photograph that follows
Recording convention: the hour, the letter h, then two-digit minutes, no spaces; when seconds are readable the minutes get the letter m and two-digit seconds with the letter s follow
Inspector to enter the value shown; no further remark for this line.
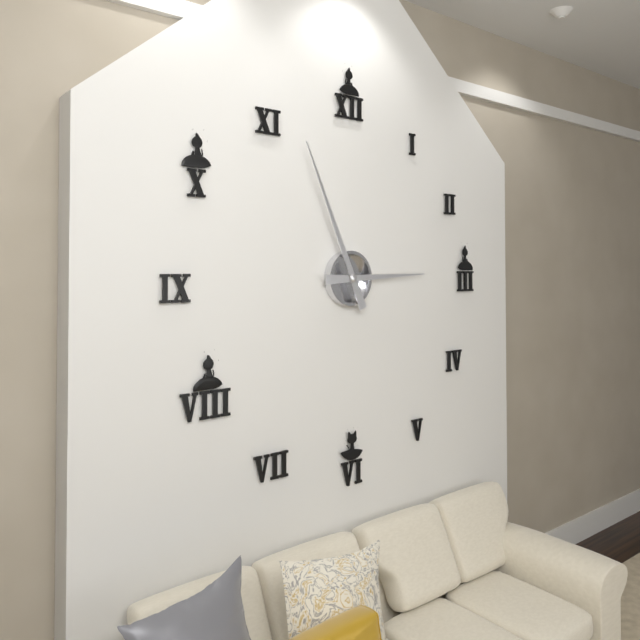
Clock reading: 2h56
